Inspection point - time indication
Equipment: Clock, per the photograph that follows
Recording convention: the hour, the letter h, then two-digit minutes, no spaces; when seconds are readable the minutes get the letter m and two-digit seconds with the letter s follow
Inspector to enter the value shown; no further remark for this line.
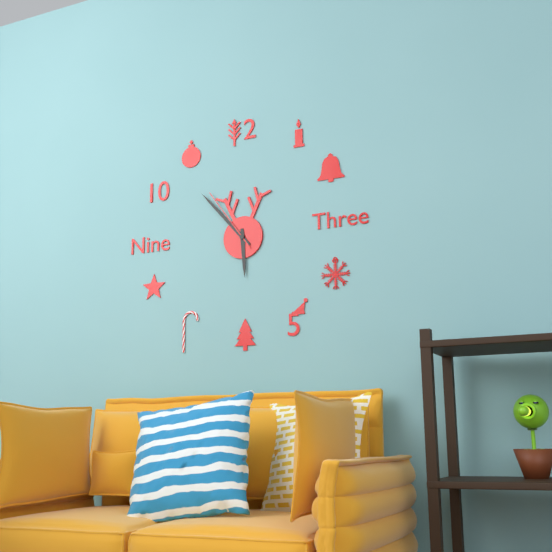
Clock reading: 5h53m54s
